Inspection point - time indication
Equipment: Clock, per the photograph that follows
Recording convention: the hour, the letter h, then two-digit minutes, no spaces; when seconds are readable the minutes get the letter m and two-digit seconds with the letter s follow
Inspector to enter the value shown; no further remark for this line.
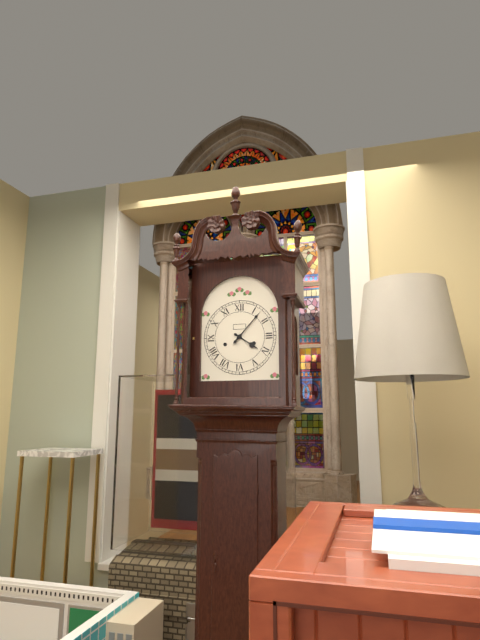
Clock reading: 4h07
